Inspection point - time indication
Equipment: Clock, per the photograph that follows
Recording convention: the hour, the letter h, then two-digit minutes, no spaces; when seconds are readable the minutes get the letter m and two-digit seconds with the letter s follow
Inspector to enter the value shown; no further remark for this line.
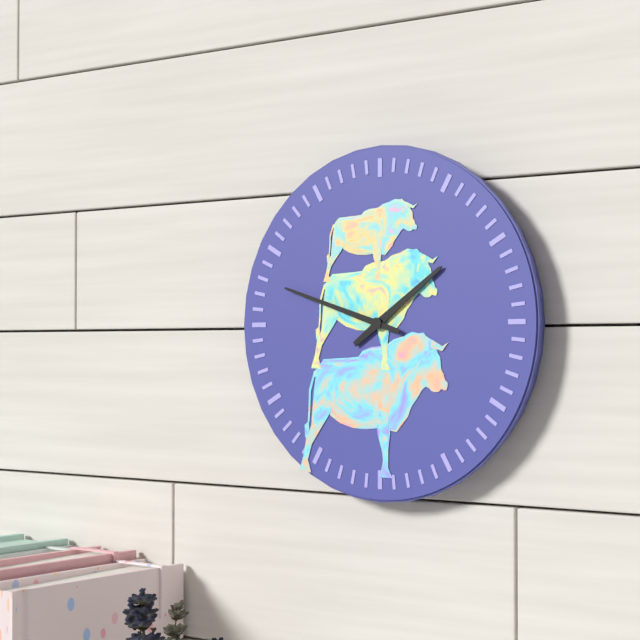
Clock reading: 1h48
